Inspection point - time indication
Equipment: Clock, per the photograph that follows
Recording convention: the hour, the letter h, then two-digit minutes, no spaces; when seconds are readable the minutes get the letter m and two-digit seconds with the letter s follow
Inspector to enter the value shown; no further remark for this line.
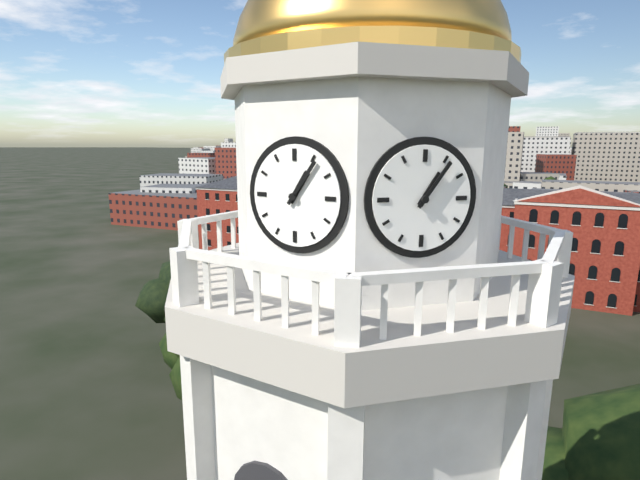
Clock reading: 1h06
